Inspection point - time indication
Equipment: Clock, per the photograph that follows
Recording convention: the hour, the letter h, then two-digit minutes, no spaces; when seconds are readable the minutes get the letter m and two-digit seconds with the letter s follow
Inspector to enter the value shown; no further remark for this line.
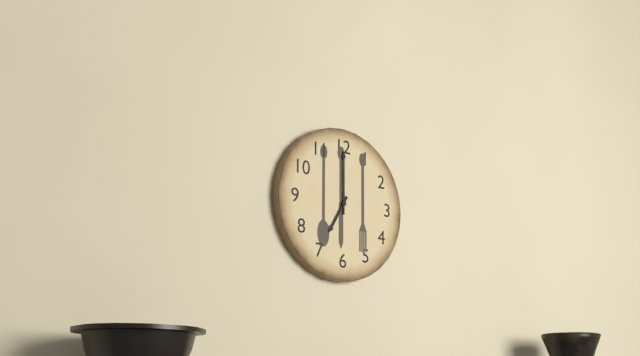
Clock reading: 7h00
